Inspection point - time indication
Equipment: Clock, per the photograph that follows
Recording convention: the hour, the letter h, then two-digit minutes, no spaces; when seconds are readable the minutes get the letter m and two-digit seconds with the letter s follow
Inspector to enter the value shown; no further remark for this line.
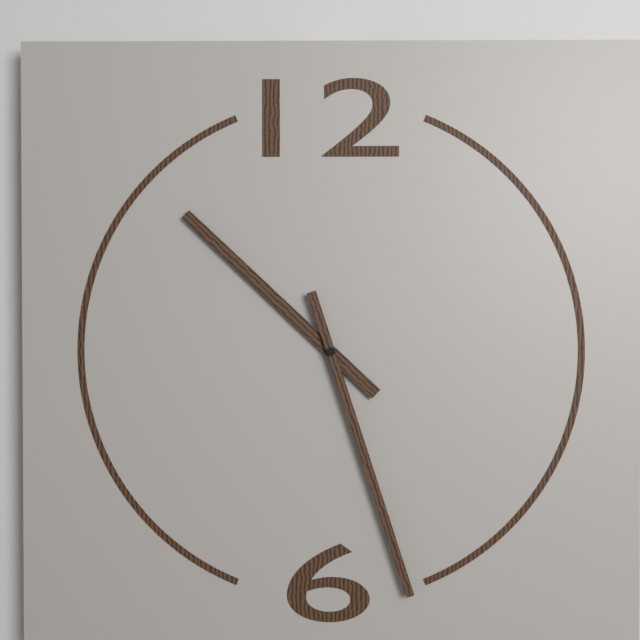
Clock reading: 10h27
